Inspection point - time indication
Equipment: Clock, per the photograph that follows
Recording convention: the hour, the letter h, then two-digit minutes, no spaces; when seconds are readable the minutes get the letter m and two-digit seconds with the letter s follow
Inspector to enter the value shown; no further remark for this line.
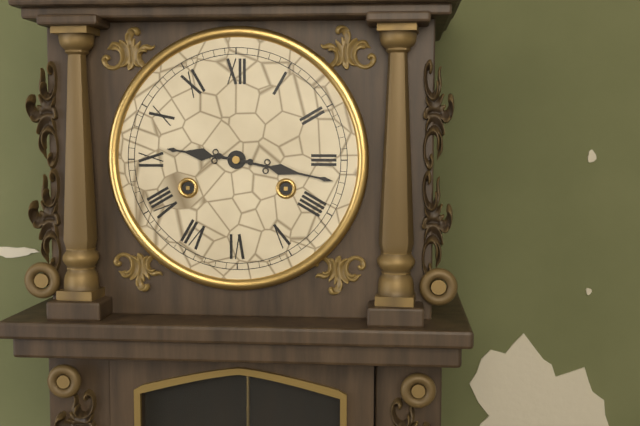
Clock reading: 9h17
